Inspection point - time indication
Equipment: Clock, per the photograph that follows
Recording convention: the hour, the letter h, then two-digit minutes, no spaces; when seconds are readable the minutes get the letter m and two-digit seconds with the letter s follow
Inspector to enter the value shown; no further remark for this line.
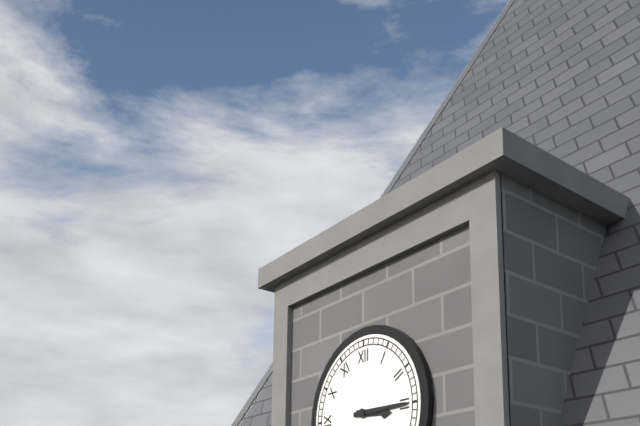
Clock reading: 3h15
